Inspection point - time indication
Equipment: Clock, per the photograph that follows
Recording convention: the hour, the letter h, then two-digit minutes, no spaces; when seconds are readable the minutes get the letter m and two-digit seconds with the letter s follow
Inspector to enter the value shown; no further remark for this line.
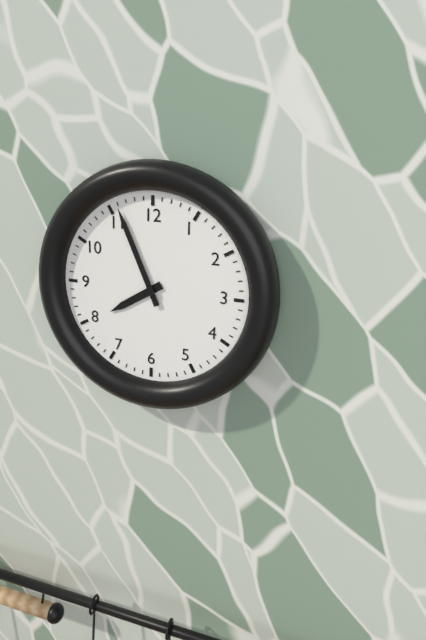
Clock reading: 7h56
